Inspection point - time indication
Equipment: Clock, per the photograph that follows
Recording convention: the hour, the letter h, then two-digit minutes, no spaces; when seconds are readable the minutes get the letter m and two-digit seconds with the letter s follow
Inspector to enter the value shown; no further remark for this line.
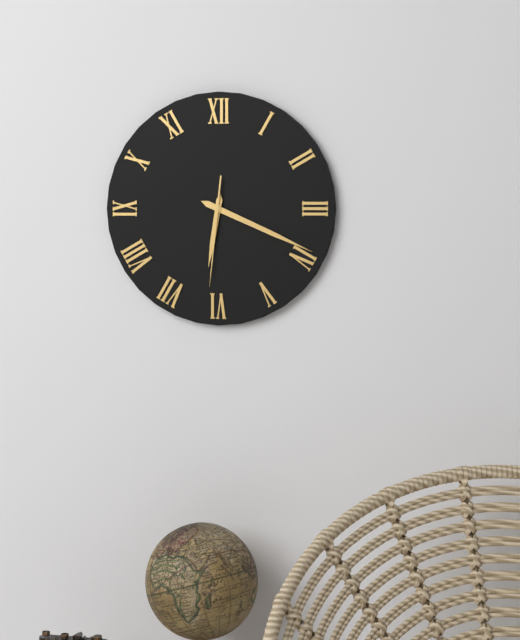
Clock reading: 6h19m31s
